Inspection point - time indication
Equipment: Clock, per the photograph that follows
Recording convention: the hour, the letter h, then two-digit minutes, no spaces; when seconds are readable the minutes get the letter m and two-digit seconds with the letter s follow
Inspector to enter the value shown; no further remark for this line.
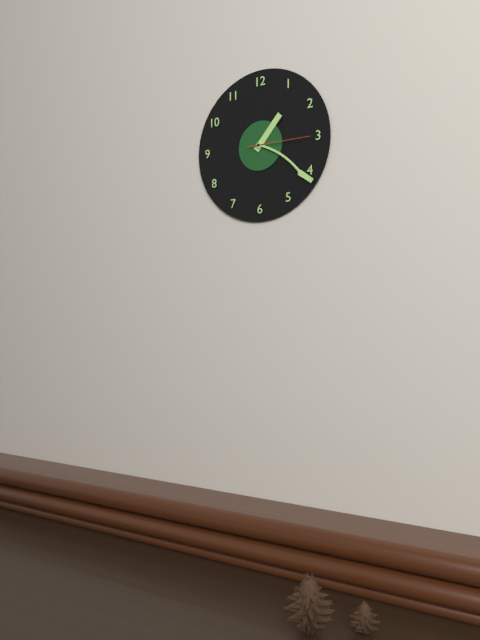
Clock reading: 1h21m15s
